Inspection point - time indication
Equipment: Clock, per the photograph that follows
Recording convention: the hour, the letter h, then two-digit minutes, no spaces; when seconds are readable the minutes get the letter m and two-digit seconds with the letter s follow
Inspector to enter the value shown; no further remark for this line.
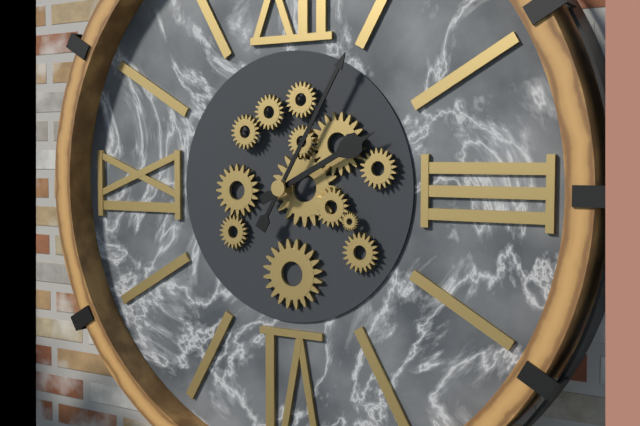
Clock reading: 2h05
